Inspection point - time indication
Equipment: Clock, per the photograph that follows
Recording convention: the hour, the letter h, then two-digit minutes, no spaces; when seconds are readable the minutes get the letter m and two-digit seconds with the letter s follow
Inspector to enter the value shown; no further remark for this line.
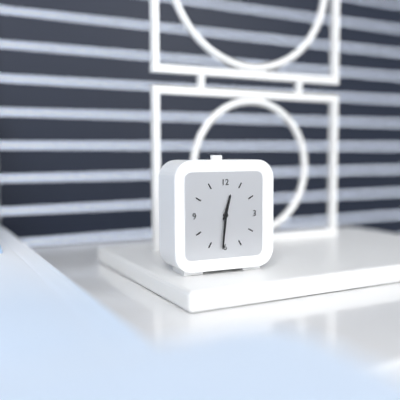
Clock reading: 12h31
